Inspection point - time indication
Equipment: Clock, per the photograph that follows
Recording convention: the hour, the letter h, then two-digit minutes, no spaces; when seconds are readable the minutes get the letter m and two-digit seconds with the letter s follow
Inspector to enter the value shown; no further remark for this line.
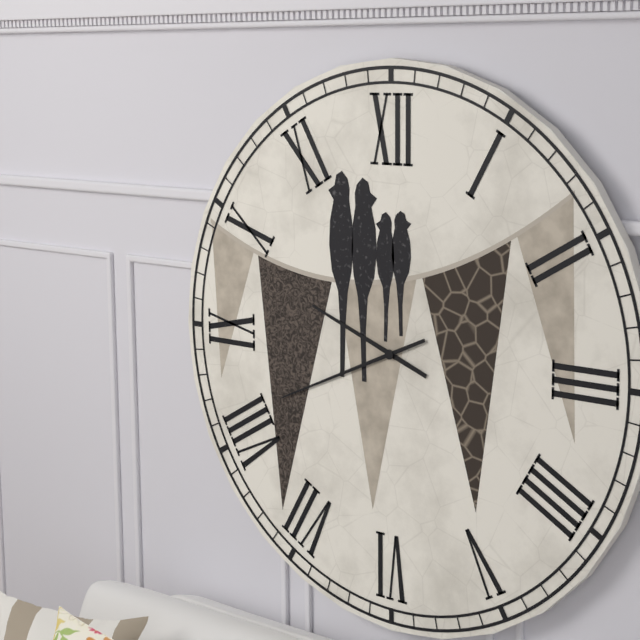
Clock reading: 9h41
